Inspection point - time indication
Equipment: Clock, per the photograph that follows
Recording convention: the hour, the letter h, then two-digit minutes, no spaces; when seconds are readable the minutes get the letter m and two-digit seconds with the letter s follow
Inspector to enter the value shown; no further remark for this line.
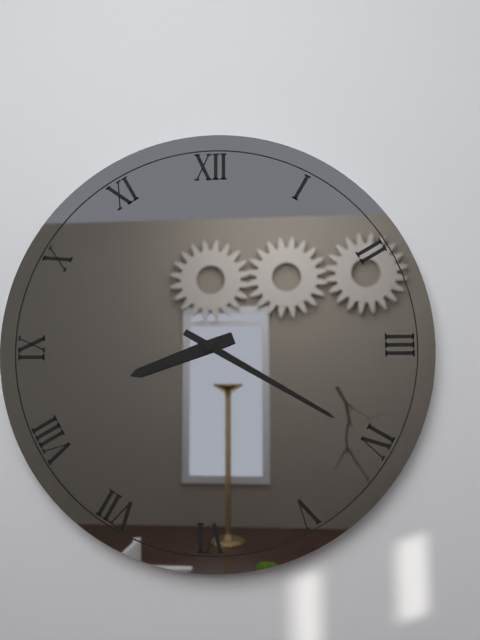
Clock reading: 8h20
